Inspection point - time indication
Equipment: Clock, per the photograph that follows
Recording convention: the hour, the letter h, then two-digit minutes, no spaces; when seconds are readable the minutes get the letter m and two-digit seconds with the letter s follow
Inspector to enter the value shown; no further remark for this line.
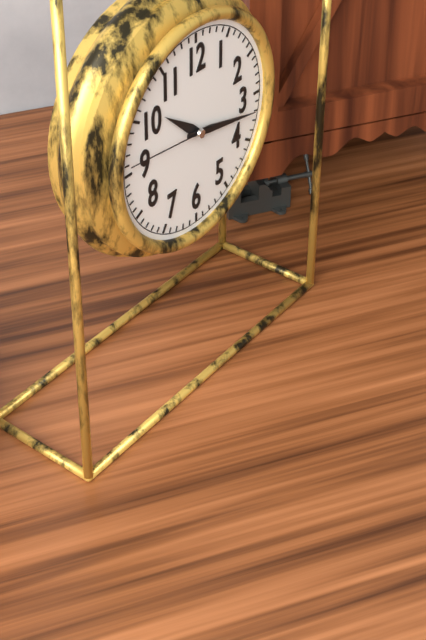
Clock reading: 10h17m46s
